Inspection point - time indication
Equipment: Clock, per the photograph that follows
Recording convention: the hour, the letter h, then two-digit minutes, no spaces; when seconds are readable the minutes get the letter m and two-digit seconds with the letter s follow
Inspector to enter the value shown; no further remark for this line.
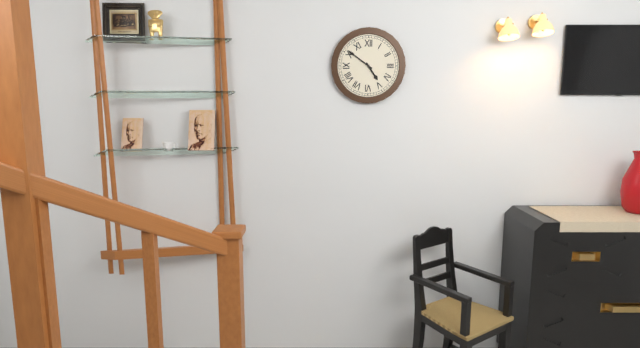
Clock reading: 4h51
